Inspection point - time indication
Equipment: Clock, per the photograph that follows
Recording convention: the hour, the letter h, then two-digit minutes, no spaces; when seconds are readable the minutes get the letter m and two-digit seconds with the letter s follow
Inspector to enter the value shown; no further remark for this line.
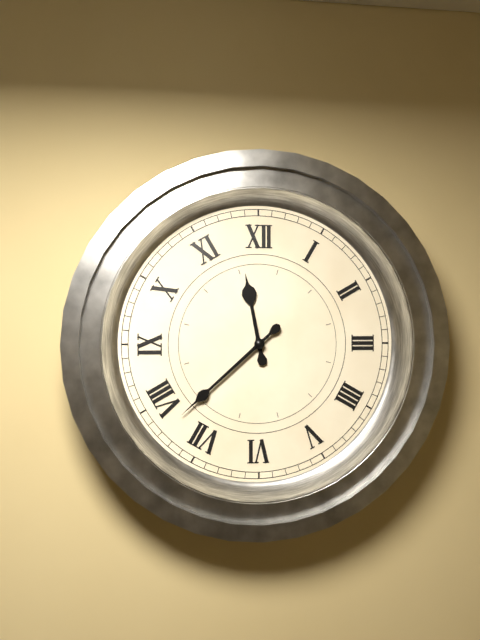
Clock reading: 11h38
